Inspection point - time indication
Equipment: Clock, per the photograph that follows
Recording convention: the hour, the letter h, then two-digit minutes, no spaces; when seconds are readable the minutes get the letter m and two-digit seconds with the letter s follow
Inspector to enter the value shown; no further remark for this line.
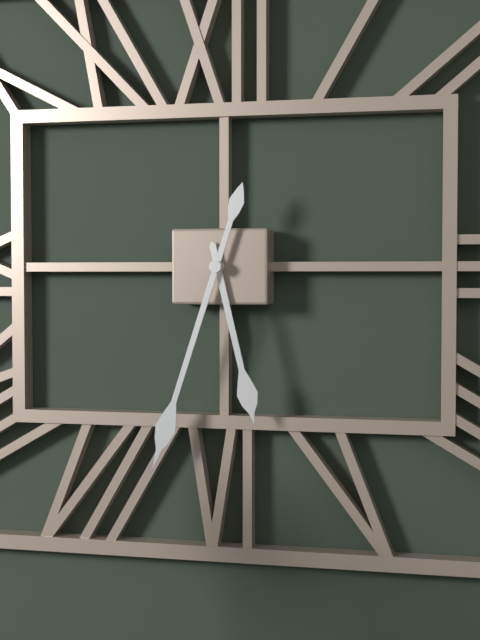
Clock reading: 5h33
